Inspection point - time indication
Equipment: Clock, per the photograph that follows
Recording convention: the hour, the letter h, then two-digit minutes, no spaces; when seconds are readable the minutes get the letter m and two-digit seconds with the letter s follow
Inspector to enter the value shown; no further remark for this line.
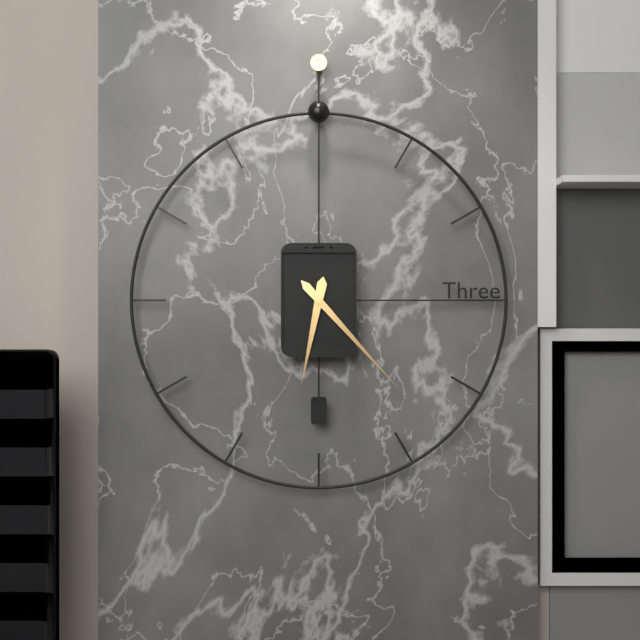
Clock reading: 6h23
